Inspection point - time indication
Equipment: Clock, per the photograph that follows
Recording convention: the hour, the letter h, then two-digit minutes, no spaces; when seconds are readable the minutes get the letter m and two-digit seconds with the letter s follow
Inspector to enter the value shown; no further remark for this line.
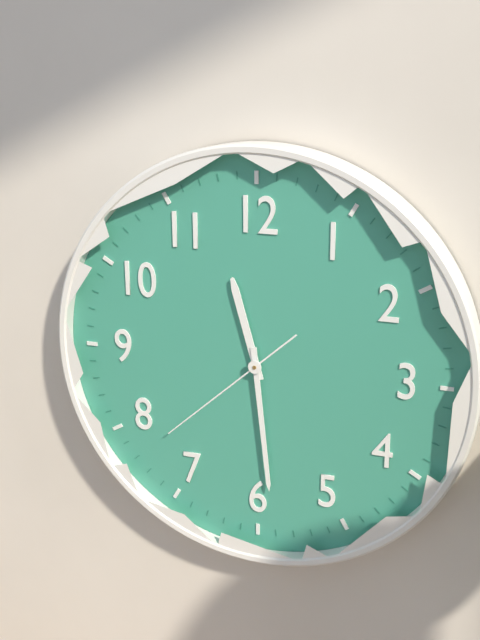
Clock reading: 11h29m38s
